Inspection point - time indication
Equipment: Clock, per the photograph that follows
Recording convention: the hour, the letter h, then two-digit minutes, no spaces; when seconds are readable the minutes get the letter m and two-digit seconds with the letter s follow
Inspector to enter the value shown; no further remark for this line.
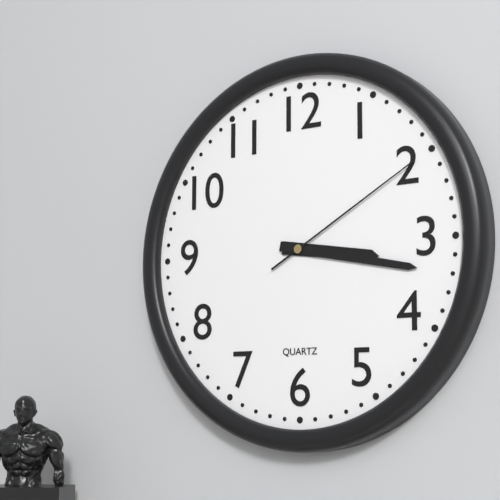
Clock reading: 3h17m10s
